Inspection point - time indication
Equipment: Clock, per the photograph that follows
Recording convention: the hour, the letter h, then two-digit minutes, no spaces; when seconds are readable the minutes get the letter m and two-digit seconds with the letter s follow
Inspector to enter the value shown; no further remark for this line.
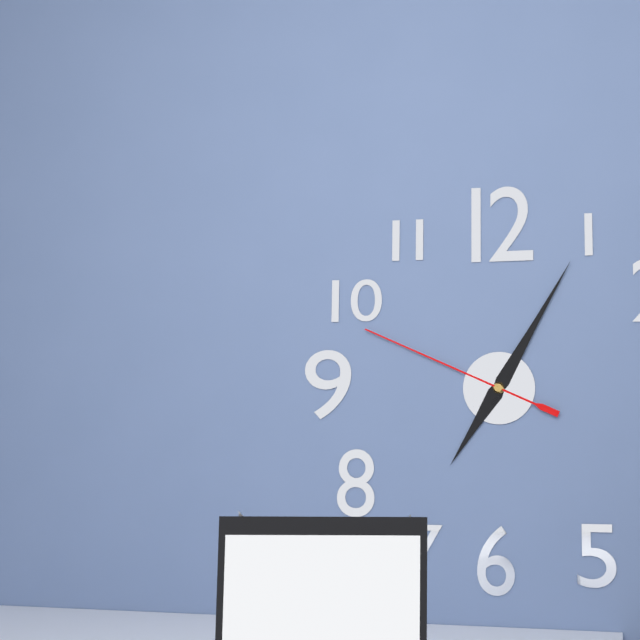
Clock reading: 7h05m49s
